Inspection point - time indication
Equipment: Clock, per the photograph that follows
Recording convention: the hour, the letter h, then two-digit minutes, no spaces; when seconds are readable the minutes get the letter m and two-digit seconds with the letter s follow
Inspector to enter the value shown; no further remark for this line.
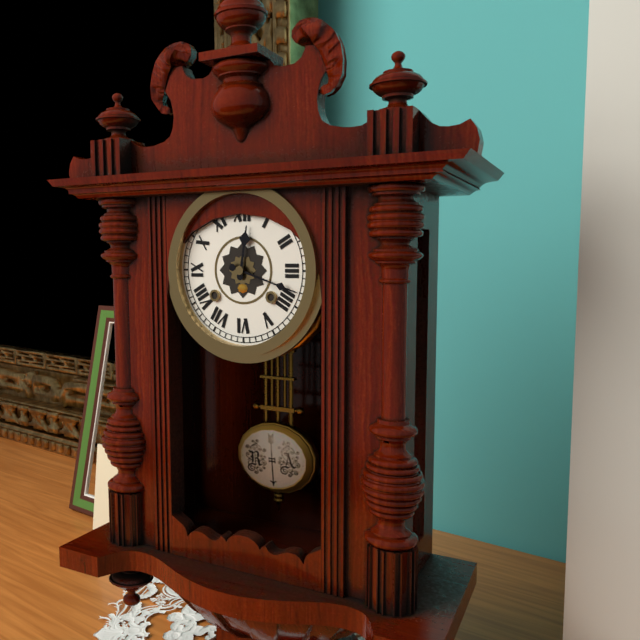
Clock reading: 12h18
